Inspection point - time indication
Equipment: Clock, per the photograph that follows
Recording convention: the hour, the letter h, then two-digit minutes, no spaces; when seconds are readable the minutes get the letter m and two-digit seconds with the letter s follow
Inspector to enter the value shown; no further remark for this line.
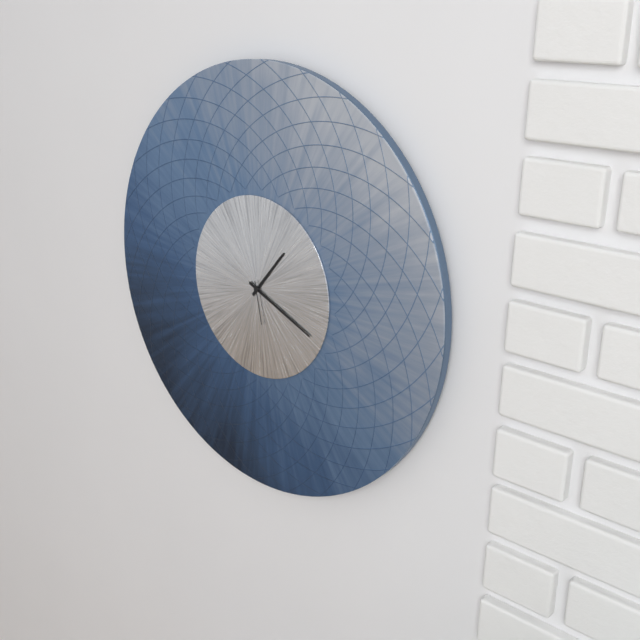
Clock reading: 1h19
